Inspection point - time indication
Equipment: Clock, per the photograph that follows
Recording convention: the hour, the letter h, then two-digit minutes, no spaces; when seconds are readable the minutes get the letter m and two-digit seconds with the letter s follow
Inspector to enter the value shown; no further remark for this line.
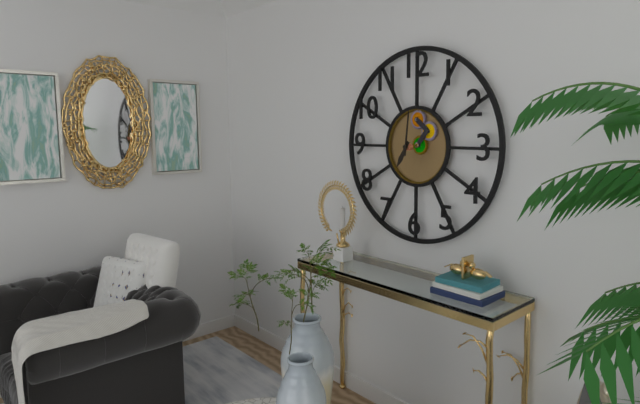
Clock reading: 7h01
